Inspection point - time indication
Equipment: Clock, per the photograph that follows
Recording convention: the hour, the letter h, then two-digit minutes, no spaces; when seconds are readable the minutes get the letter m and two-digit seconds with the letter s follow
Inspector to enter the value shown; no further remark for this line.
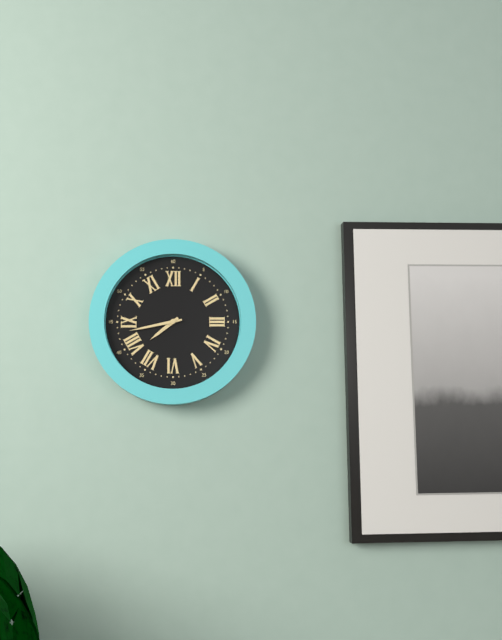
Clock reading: 7h43
